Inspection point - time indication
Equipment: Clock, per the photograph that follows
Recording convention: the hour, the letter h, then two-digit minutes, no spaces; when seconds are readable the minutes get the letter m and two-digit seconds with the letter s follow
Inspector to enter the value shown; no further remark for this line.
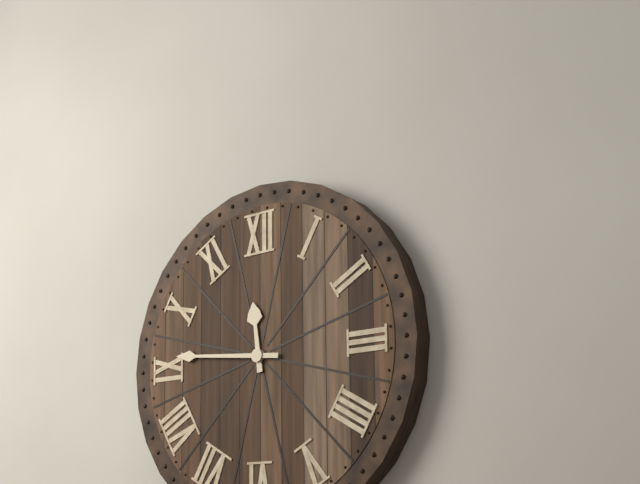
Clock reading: 11h46
